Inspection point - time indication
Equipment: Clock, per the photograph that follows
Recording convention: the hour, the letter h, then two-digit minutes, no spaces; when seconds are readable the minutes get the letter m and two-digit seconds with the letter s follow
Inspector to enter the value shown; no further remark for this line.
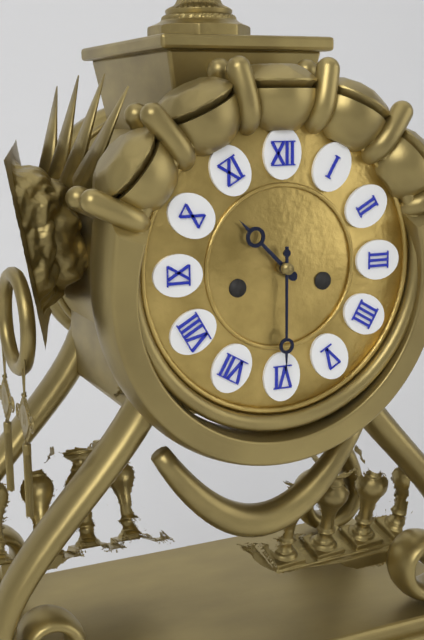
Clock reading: 10h30
